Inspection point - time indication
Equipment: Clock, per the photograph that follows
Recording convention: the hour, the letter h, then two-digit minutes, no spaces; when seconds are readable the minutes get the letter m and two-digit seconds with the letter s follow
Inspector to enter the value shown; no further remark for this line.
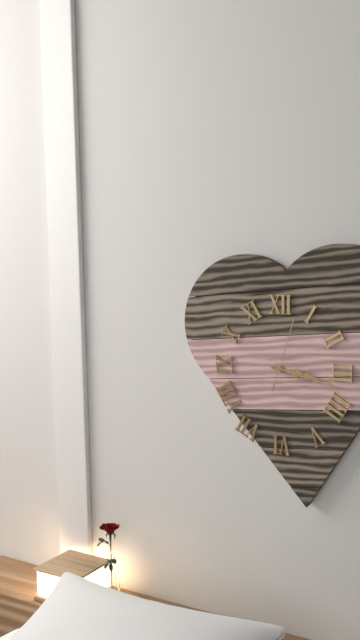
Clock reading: 3h17m03s
